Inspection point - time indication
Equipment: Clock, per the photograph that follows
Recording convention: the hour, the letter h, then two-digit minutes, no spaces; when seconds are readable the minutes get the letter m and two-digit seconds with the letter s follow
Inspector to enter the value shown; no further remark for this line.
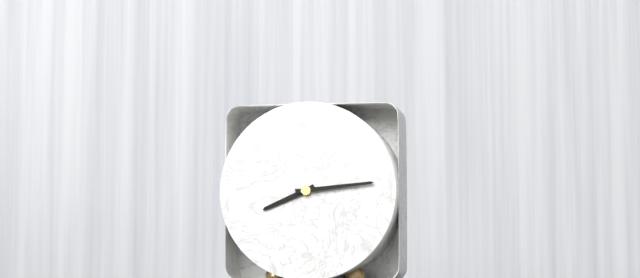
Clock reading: 8h14
